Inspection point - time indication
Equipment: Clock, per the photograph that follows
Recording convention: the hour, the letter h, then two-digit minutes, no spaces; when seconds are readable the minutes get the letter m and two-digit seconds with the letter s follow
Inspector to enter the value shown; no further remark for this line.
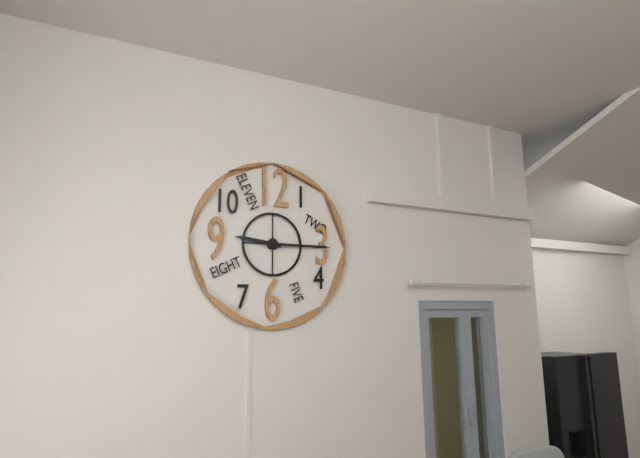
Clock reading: 9h15
